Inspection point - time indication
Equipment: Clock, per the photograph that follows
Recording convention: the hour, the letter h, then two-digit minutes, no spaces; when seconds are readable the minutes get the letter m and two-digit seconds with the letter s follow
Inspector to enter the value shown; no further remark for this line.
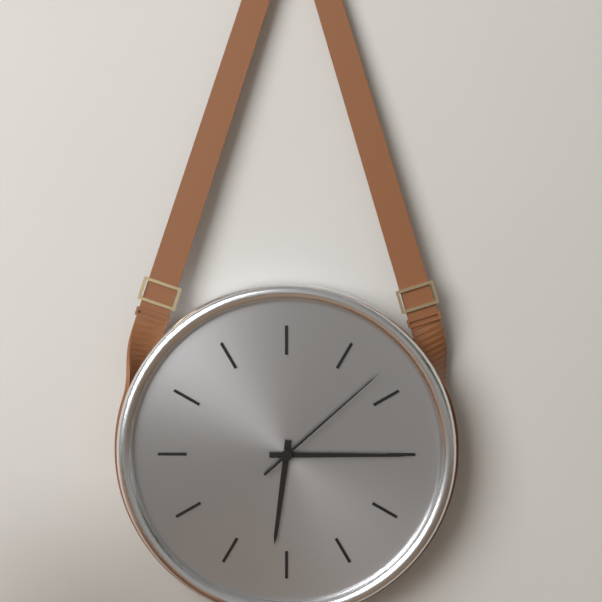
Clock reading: 6h15m08s
